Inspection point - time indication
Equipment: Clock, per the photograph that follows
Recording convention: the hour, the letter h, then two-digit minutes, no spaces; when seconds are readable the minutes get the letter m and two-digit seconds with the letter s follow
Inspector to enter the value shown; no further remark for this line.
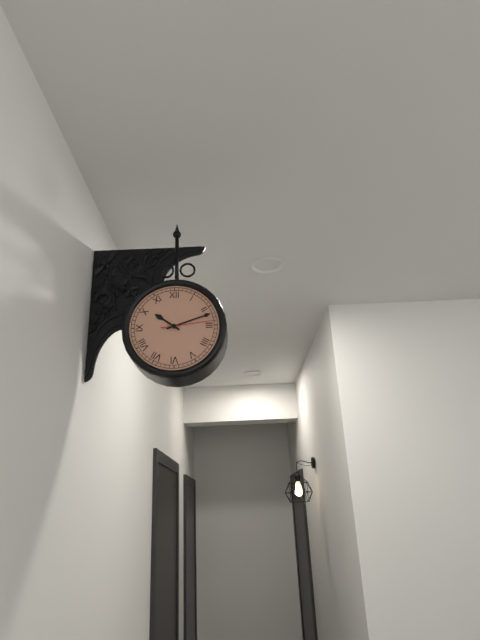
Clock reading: 10h12m14s
